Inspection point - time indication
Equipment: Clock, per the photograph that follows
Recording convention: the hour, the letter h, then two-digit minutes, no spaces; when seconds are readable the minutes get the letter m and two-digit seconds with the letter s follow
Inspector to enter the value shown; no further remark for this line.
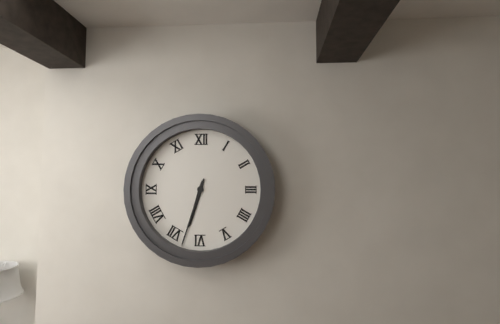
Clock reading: 6h33
